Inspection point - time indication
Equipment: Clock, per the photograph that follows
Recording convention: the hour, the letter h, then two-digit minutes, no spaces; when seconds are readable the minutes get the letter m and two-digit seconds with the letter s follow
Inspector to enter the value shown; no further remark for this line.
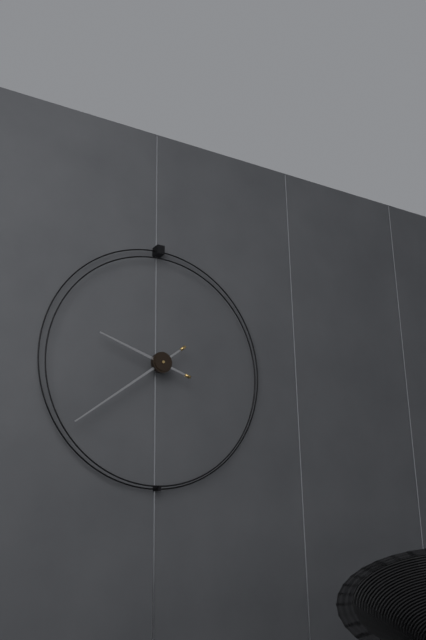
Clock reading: 9h39
